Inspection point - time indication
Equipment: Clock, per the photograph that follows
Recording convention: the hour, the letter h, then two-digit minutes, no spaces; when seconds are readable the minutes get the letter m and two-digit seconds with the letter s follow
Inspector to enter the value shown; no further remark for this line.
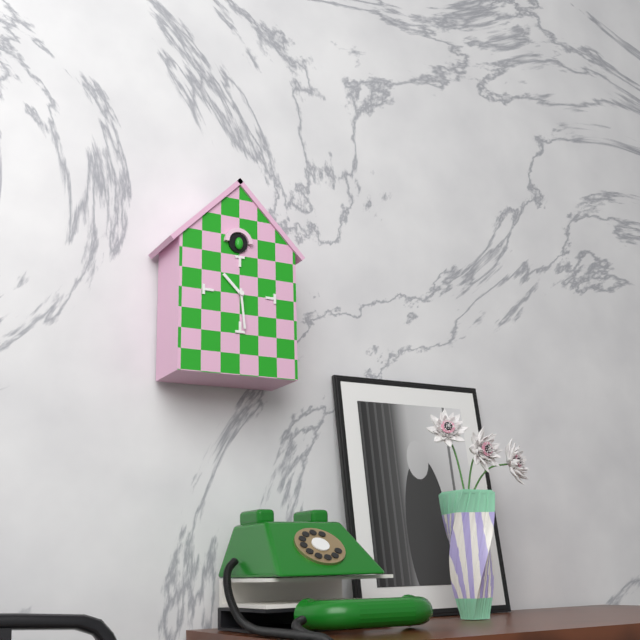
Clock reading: 10h29
